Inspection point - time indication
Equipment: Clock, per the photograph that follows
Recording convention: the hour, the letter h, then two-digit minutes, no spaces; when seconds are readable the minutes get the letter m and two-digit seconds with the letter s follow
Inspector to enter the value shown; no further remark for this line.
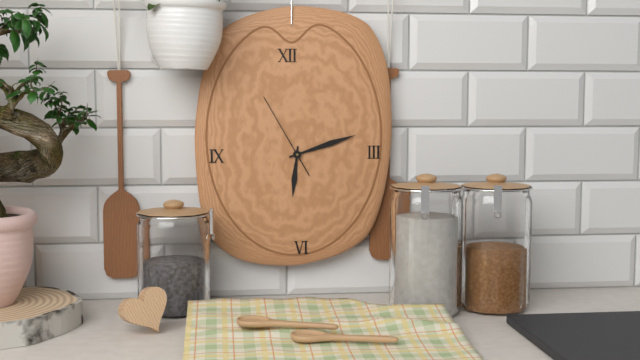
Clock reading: 6h12m55s
